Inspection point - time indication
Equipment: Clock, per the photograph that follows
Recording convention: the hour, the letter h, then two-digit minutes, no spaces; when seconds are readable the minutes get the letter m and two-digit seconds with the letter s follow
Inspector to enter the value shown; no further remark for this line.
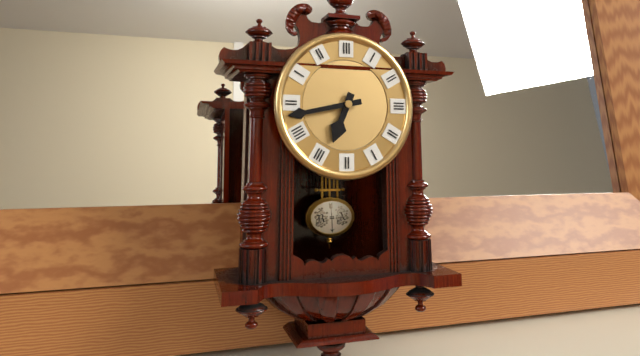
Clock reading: 6h43
